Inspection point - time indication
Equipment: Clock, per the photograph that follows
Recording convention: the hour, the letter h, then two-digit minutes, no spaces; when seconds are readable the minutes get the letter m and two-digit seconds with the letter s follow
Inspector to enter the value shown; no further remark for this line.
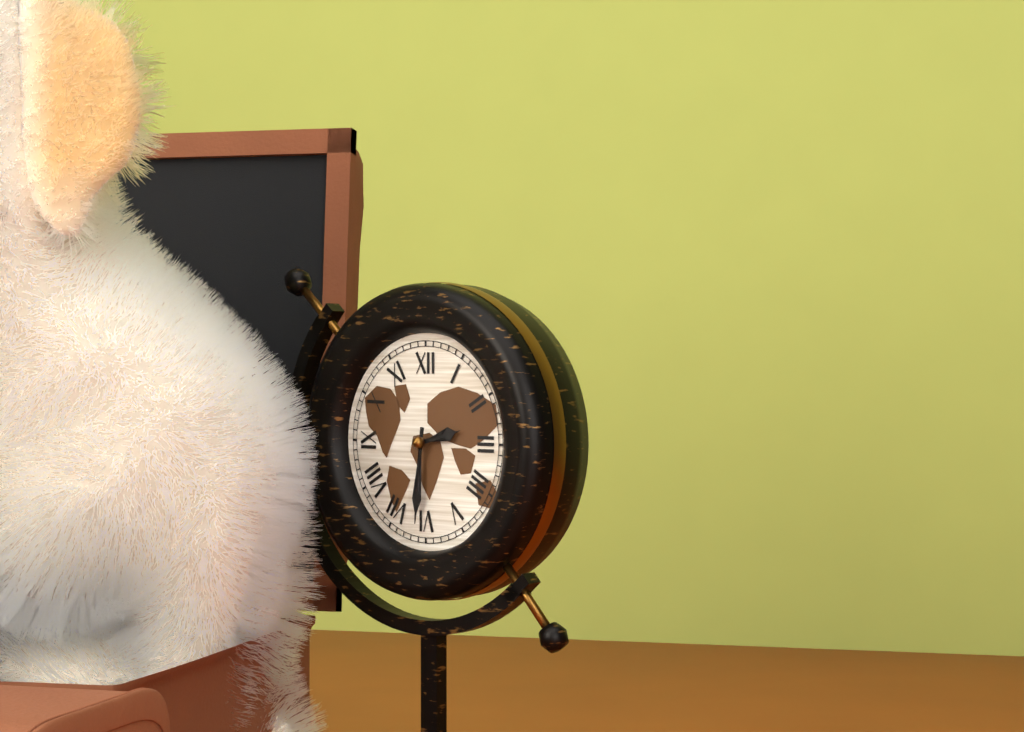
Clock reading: 2h31
